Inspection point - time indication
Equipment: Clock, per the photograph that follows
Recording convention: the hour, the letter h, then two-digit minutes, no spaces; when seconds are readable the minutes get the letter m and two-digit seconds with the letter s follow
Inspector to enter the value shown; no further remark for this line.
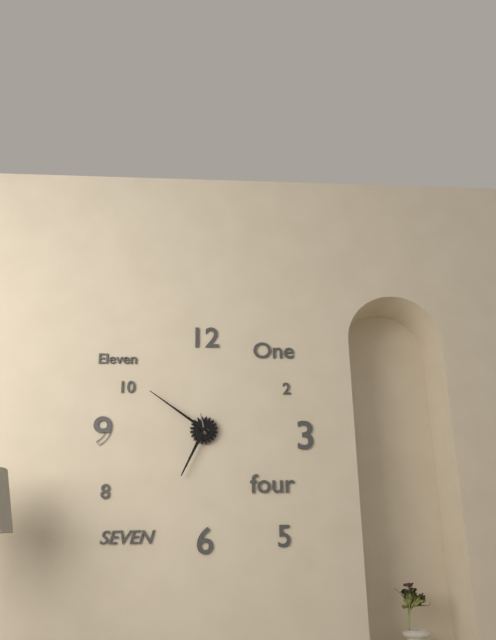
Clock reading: 6h51
